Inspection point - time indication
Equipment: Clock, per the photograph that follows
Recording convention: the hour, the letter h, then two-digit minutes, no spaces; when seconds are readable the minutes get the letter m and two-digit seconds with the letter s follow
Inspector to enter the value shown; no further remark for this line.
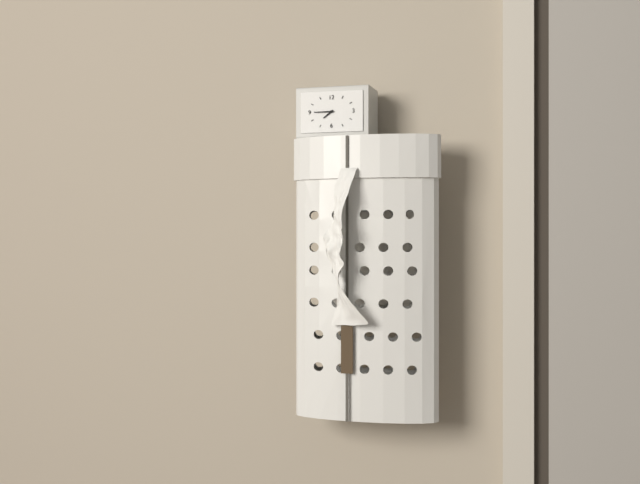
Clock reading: 7h45
